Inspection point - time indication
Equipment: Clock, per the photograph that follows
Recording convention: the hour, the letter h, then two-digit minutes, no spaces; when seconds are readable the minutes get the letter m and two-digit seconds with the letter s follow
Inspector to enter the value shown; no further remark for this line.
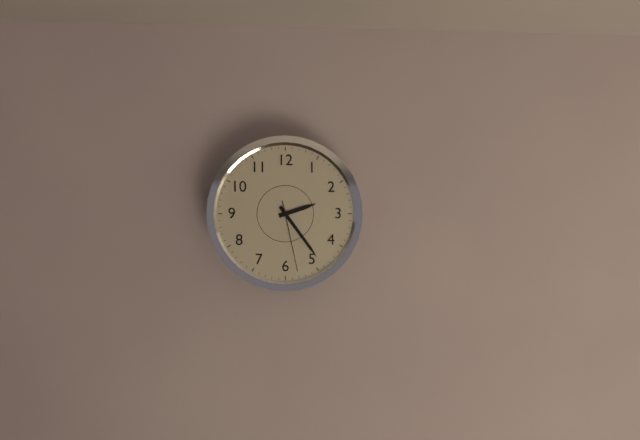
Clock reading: 2h24m28s
